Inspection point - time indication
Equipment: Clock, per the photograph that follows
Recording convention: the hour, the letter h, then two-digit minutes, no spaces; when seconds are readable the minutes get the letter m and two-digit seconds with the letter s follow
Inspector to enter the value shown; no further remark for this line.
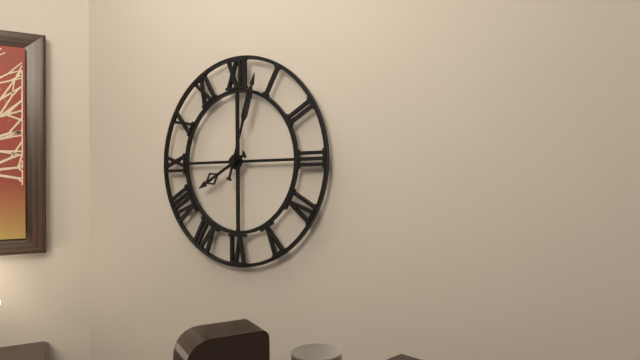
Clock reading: 8h03
